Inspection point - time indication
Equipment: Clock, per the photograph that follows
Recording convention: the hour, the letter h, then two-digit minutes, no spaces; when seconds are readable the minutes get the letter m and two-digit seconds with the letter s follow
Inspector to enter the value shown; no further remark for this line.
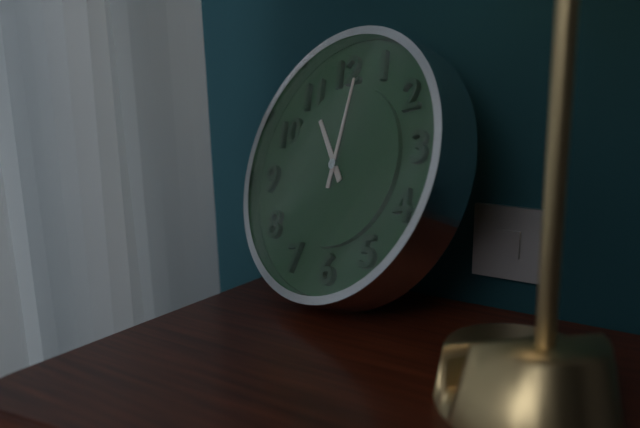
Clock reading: 11h02
